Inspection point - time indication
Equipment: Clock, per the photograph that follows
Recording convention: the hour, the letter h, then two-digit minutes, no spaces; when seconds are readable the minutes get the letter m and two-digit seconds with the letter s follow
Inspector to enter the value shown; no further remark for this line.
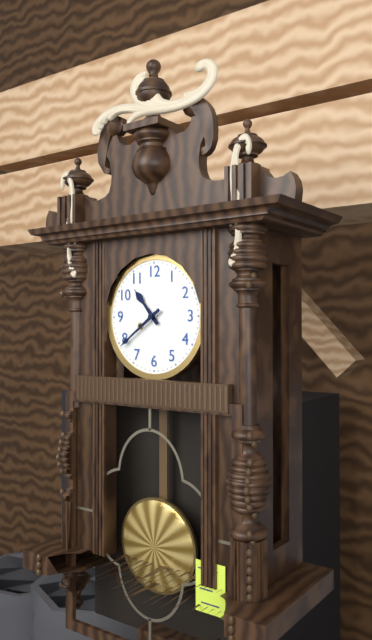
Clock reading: 10h39
